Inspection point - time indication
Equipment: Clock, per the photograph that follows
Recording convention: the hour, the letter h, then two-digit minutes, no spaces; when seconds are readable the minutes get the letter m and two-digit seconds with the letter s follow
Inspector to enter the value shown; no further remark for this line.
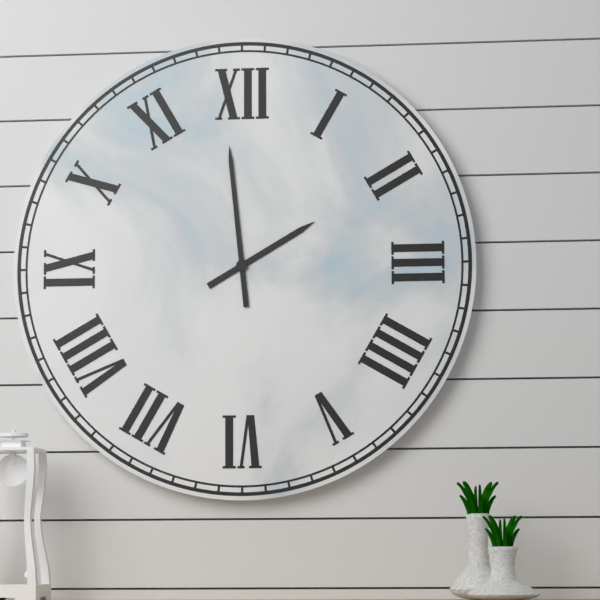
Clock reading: 1h59
